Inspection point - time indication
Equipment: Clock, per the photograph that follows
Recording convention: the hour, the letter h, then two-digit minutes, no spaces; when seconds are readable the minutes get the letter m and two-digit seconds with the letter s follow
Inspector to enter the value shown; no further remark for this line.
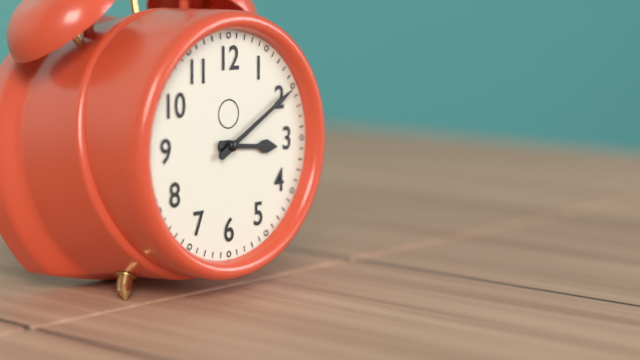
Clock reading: 3h10
